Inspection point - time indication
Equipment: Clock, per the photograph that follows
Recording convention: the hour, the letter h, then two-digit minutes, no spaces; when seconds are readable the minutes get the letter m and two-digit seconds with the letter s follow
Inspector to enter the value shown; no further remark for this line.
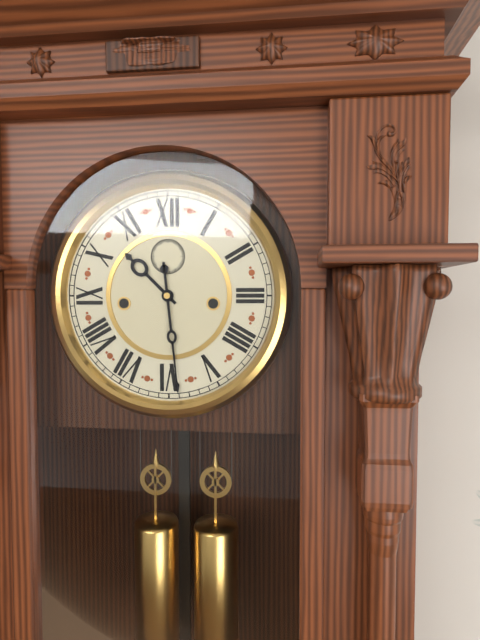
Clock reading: 10h29
